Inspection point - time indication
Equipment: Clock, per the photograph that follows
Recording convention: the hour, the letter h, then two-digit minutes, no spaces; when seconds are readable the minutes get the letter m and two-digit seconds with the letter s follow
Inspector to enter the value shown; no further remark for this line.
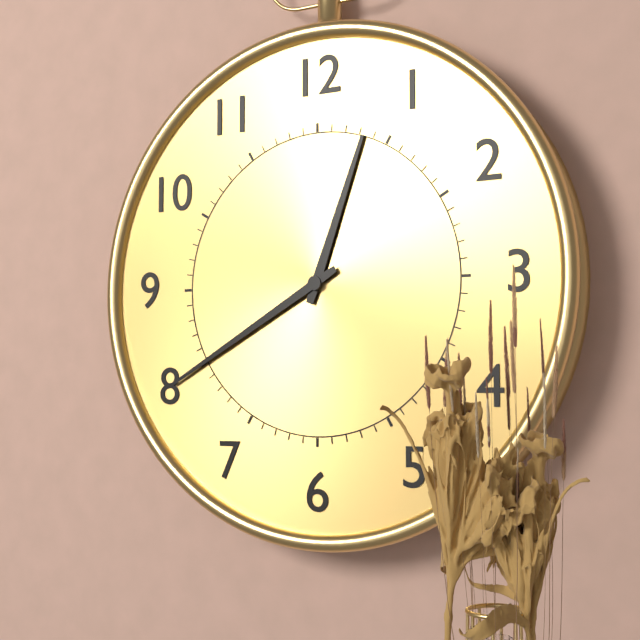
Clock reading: 12h40
